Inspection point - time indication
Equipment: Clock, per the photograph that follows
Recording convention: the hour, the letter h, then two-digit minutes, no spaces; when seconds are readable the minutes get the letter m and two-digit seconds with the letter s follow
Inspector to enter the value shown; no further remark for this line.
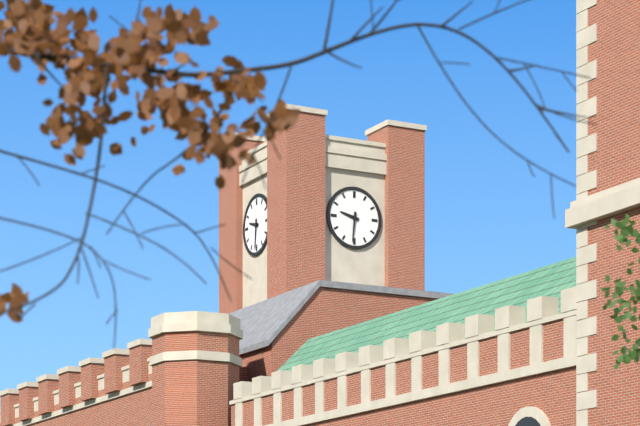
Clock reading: 9h31
